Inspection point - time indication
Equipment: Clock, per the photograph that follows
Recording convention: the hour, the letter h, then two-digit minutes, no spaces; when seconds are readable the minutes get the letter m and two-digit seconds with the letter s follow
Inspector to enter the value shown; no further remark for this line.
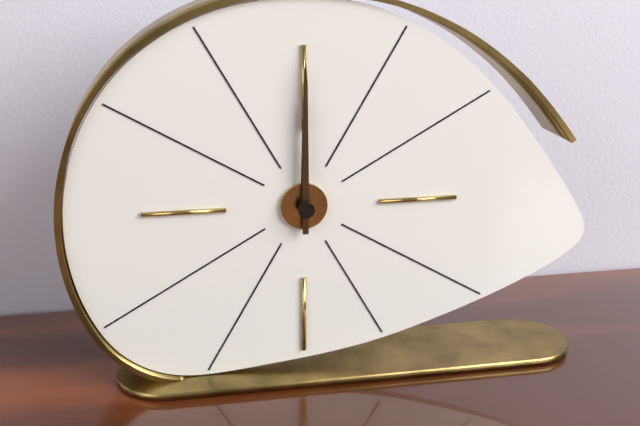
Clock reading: 12h00
